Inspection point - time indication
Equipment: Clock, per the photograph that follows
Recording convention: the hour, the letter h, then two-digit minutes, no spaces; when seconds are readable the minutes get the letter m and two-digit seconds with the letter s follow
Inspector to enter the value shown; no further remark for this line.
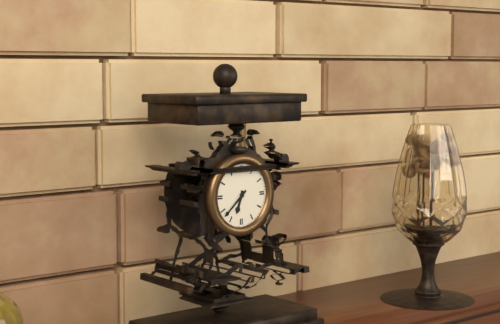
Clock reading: 6h38
